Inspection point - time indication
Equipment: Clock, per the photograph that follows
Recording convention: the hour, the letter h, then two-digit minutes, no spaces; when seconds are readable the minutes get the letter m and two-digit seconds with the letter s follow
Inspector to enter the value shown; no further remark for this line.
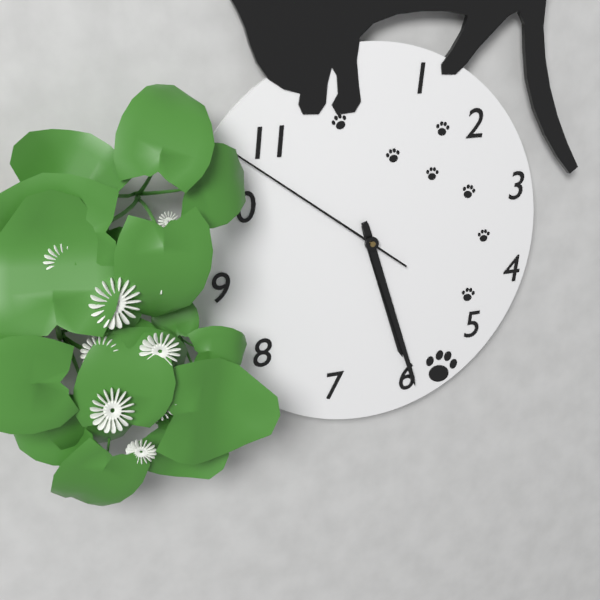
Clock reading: 5h27m51s
